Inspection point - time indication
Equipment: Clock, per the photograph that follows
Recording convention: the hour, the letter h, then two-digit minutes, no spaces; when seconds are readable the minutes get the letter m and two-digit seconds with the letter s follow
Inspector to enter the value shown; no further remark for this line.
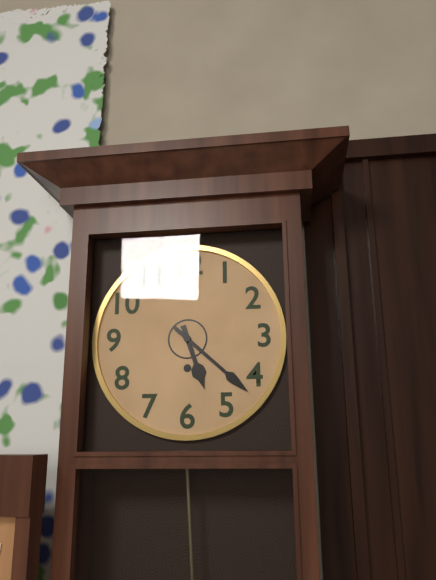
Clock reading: 5h22
